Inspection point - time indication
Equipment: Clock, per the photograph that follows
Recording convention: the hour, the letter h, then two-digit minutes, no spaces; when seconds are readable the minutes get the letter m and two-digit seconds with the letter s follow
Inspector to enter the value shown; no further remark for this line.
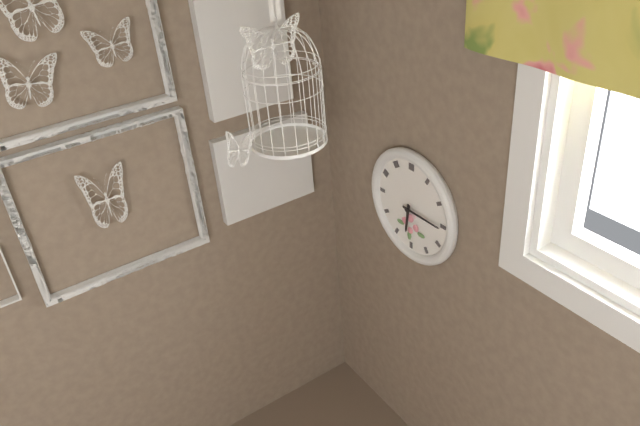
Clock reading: 6h15
